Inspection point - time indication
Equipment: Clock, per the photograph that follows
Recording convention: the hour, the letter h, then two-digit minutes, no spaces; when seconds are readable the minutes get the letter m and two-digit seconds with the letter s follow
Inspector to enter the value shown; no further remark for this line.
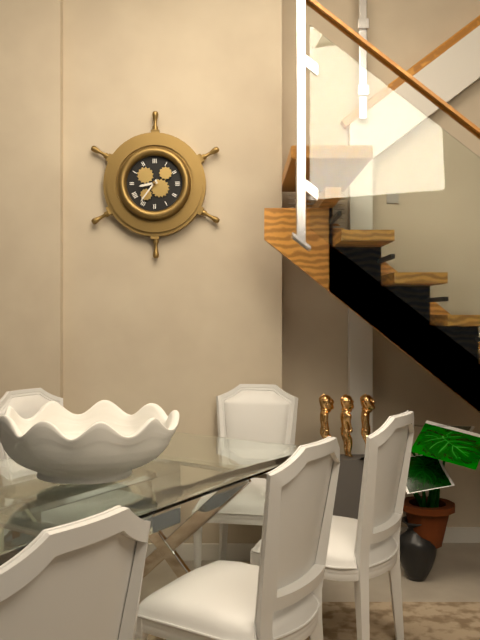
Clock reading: 8h36
